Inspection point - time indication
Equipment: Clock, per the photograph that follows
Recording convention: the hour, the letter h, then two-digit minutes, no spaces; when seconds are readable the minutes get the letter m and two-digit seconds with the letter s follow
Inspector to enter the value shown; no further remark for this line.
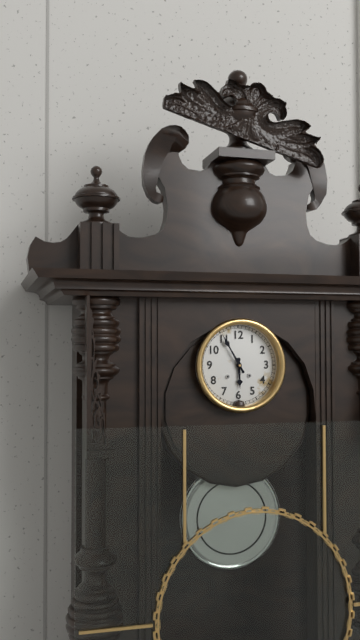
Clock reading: 5h55
